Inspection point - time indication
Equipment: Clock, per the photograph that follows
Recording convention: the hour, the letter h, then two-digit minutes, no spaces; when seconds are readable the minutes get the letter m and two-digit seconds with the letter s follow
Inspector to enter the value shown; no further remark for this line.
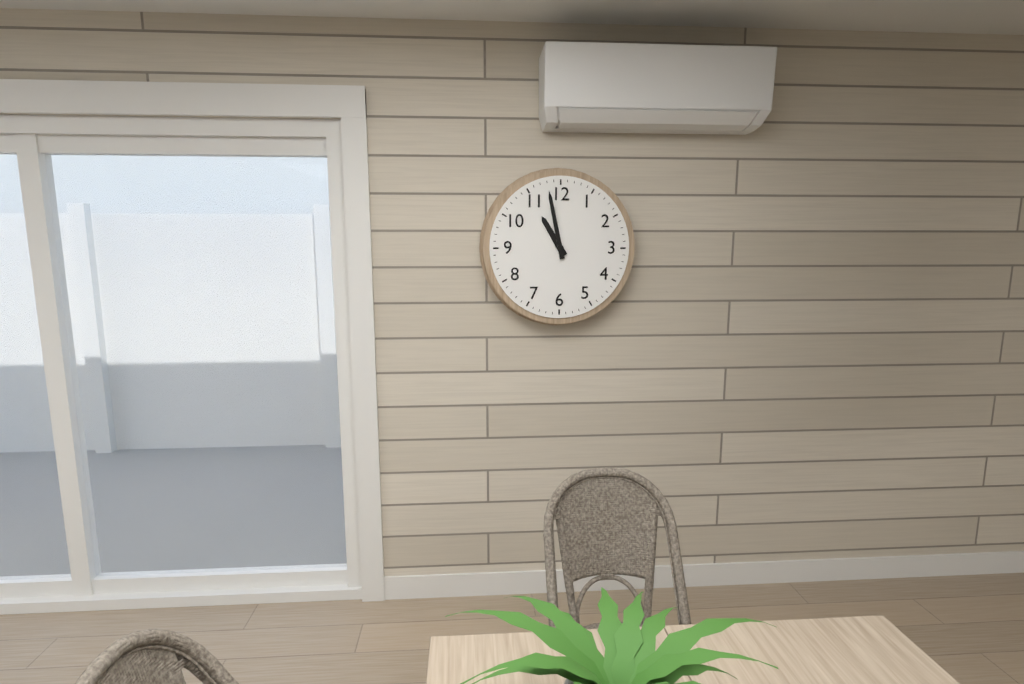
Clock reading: 10h58
